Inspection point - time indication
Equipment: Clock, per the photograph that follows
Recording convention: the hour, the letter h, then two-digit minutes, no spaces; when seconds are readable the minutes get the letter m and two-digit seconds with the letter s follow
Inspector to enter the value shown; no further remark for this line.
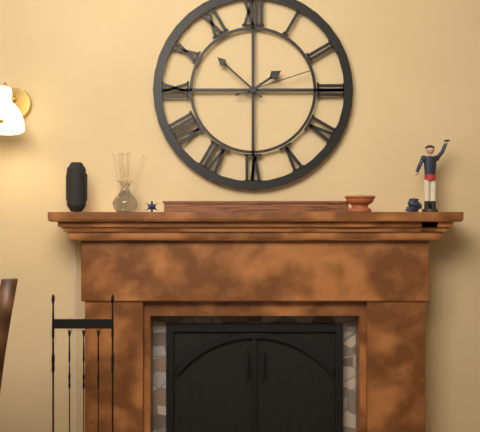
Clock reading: 1h52m12s
